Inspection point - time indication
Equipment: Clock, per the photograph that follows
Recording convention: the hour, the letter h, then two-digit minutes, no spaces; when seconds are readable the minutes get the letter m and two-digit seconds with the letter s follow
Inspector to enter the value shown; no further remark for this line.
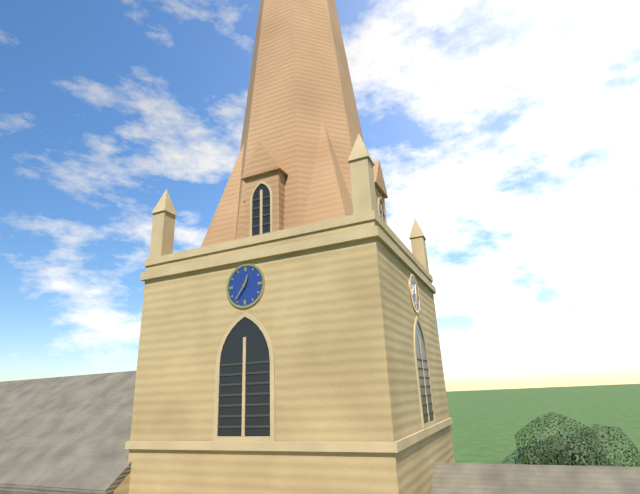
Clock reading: 12h36
